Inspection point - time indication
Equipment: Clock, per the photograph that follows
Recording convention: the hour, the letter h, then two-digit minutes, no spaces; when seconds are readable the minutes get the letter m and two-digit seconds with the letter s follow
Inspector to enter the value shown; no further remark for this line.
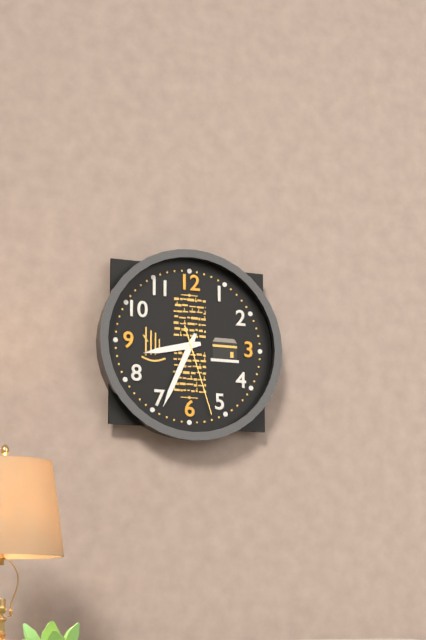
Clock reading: 8h34m27s
